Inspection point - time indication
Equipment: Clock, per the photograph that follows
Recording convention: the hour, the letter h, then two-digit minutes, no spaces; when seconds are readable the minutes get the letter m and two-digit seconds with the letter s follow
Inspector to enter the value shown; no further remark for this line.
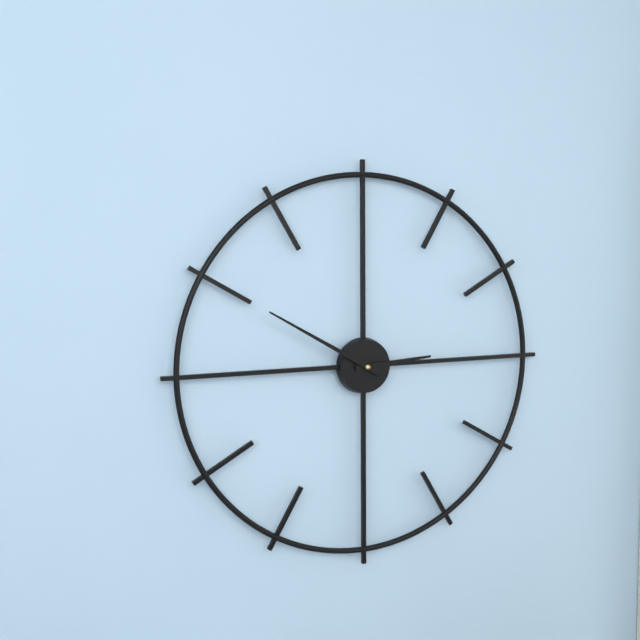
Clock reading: 2h50
